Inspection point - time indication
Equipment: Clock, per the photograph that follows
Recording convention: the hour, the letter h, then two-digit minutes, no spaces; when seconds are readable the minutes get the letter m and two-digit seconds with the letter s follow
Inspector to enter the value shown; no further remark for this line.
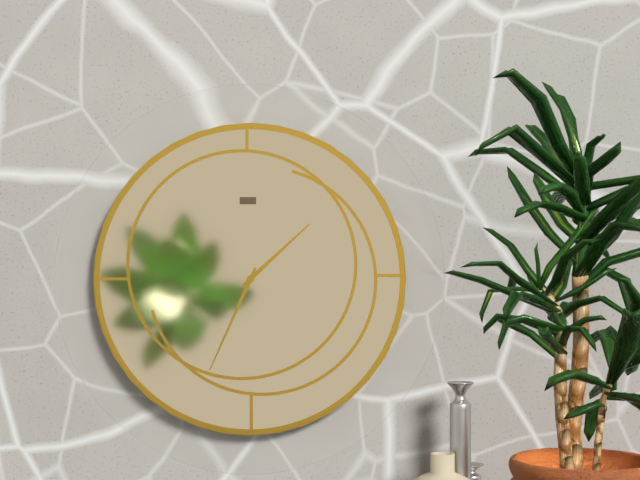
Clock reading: 1h34
